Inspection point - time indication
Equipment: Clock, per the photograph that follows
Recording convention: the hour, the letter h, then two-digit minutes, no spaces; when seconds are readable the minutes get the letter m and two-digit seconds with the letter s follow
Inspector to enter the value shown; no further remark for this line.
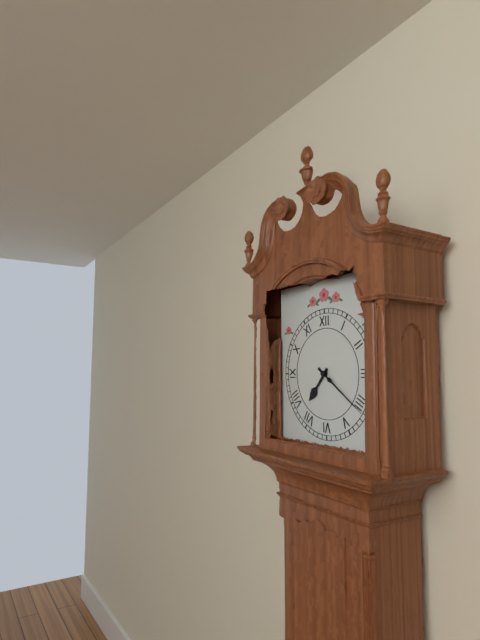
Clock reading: 7h21
